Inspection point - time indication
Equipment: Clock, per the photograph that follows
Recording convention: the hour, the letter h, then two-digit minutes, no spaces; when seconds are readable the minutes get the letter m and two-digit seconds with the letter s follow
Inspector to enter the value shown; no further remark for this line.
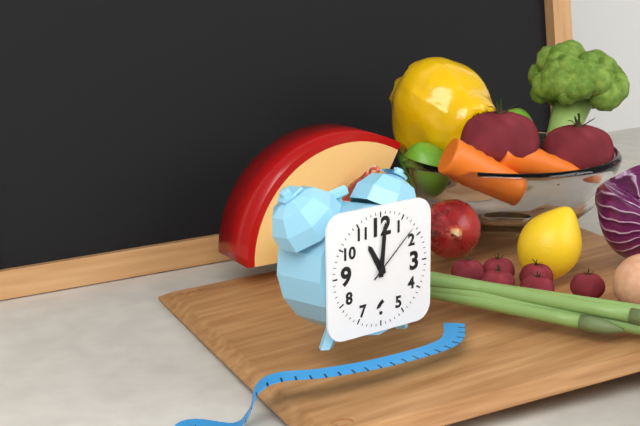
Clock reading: 11h01m08s
